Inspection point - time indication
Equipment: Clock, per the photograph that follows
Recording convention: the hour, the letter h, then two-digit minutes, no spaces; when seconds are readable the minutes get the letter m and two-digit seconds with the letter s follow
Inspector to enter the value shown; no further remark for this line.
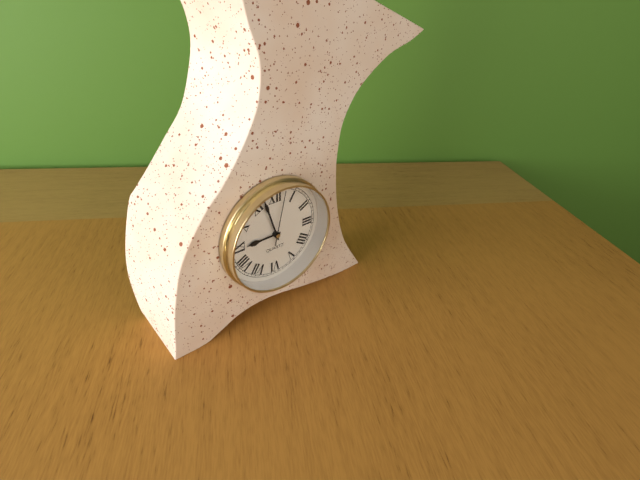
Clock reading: 8h57m02s
